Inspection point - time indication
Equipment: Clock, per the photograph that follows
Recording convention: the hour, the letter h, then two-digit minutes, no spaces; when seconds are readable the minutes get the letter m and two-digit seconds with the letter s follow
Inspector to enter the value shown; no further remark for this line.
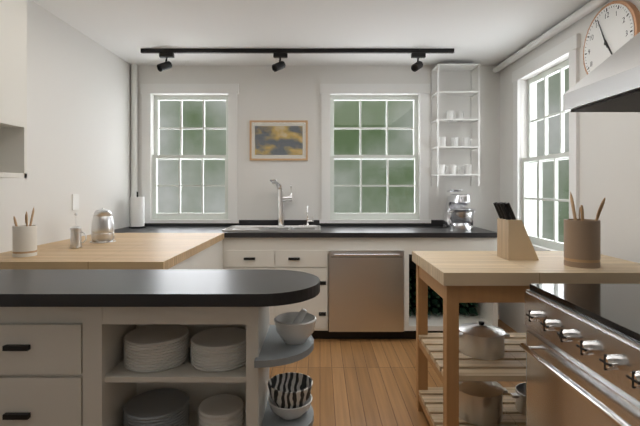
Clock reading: 4h56
